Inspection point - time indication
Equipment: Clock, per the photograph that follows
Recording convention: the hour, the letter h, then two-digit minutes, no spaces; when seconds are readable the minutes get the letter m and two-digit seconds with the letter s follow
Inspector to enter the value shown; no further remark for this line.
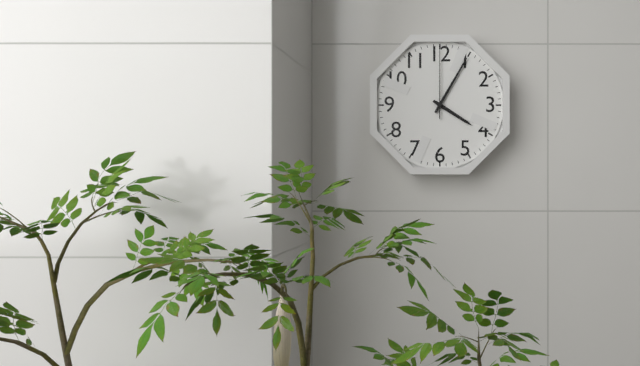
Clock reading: 4h05m00s
